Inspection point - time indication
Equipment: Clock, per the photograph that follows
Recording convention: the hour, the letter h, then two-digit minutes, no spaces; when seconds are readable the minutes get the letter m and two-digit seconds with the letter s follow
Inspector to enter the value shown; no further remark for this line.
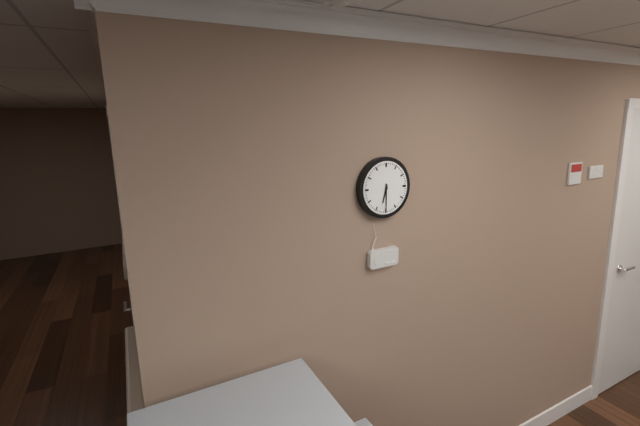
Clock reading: 6h30
